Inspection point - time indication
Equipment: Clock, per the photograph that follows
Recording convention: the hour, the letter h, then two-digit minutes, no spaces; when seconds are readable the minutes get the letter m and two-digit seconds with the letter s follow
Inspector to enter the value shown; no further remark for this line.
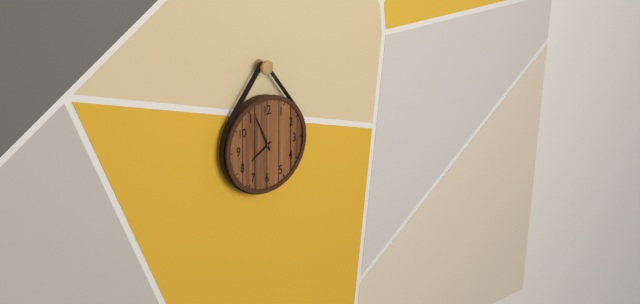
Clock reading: 7h56
